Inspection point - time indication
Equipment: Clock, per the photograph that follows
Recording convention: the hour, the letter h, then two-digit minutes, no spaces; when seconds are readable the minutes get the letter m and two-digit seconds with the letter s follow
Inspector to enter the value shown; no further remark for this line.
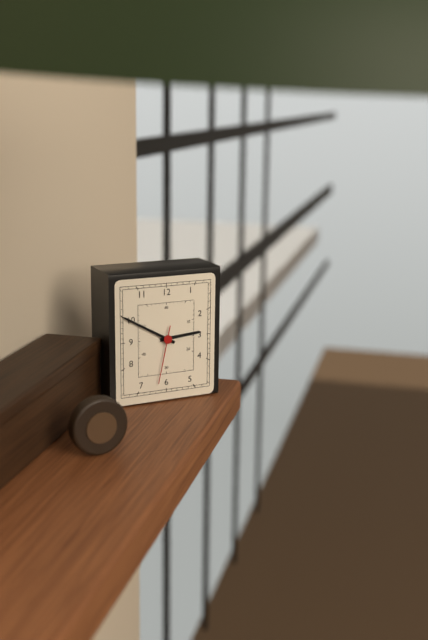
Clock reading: 2h50m32s
